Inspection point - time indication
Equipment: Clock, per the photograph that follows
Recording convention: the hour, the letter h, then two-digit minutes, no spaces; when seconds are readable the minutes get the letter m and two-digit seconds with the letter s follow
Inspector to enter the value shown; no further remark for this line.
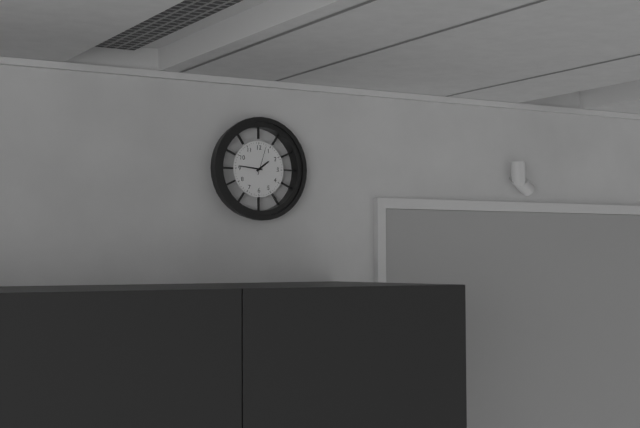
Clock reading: 1h46
